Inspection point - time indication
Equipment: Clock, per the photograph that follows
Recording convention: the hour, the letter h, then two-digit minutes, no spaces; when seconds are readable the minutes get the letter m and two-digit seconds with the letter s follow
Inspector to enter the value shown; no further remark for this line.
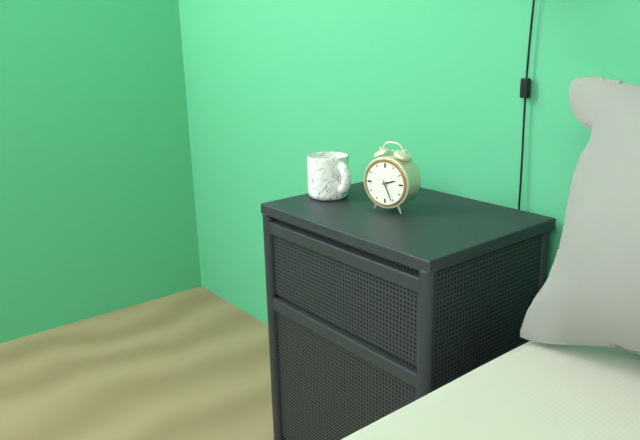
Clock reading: 2h26
